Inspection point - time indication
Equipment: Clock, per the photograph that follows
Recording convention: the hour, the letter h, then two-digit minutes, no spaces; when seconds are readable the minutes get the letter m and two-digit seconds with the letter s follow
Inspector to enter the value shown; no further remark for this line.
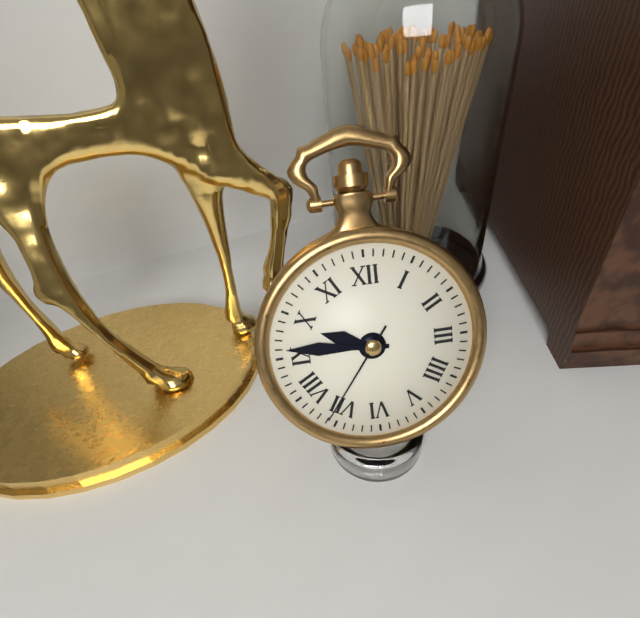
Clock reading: 9h46m36s
